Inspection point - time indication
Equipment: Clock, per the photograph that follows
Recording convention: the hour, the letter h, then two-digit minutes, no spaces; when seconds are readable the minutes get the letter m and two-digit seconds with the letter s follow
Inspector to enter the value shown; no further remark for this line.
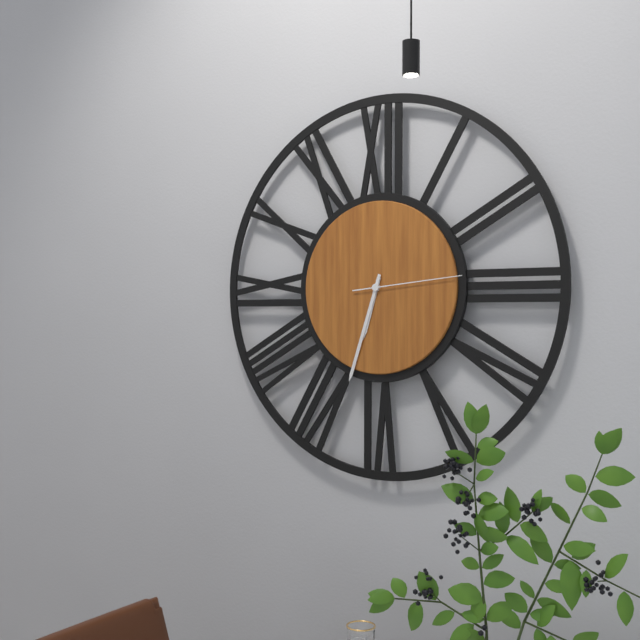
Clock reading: 6h33m14s
